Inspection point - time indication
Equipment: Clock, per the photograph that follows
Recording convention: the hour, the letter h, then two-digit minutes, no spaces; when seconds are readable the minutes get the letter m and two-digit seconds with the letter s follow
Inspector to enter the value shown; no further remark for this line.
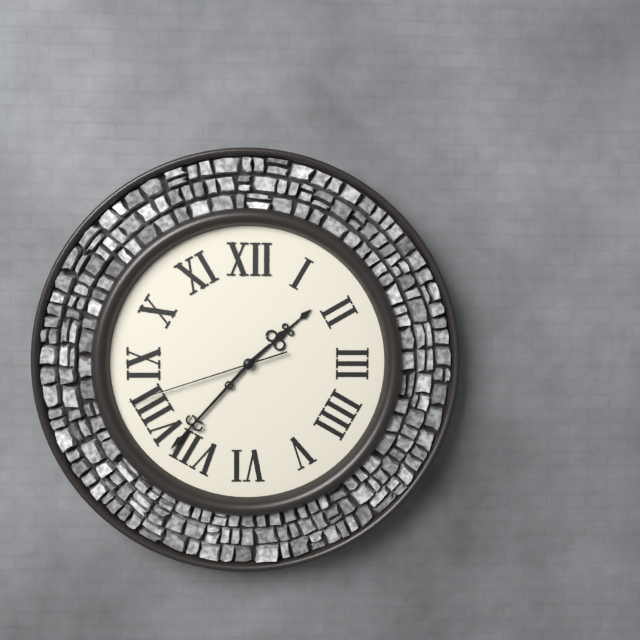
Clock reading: 1h37m42s
